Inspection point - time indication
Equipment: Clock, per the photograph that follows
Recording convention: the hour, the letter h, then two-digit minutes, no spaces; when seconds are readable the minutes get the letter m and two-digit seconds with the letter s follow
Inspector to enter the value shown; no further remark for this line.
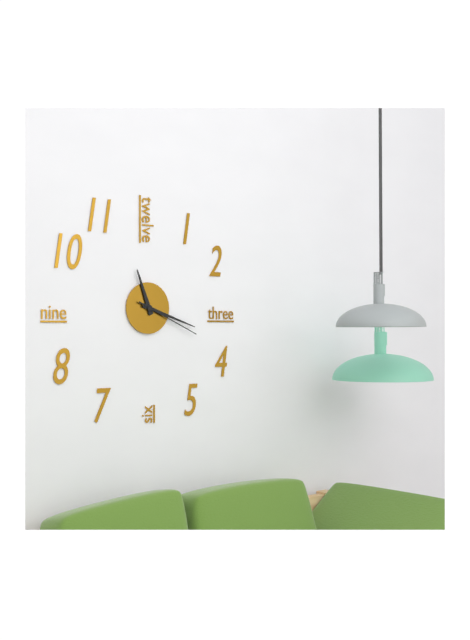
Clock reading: 11h18m19s
